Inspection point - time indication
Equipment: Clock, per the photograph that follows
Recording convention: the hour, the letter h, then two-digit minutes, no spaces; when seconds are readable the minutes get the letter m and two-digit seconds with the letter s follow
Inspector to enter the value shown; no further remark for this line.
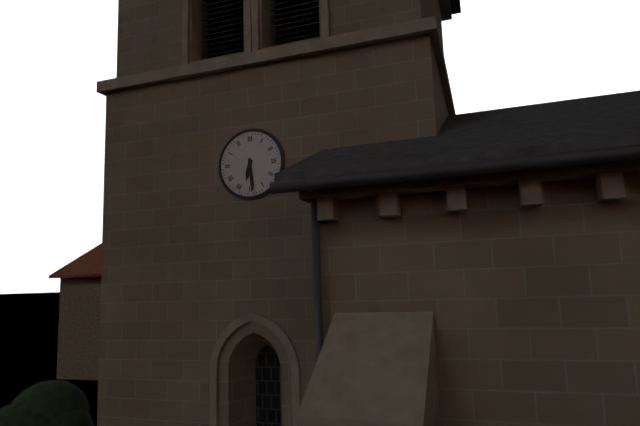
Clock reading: 6h29
